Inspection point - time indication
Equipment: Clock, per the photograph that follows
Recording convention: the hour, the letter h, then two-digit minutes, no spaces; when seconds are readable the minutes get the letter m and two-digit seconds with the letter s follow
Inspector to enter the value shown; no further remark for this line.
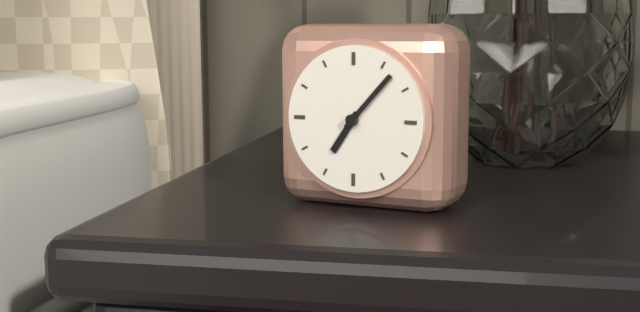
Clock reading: 7h07
